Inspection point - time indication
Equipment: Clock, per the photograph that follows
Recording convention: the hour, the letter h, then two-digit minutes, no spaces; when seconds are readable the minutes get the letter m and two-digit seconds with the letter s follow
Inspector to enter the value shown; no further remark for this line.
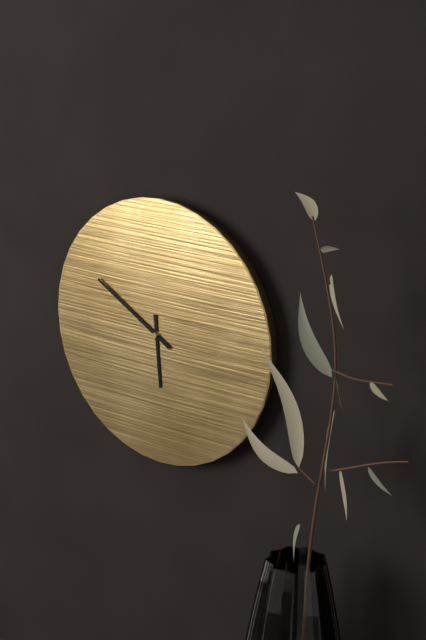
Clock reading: 5h50
